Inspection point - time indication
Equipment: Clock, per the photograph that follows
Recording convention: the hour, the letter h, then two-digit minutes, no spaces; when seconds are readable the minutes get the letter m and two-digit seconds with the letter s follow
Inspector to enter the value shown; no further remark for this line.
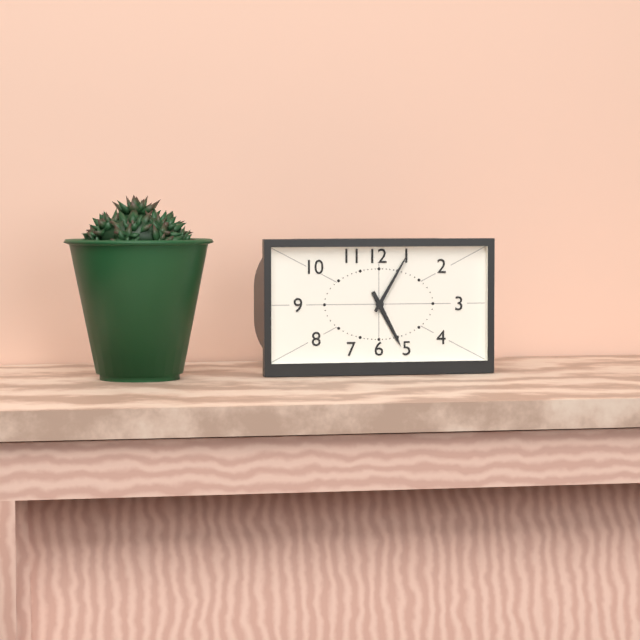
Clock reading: 5h05
